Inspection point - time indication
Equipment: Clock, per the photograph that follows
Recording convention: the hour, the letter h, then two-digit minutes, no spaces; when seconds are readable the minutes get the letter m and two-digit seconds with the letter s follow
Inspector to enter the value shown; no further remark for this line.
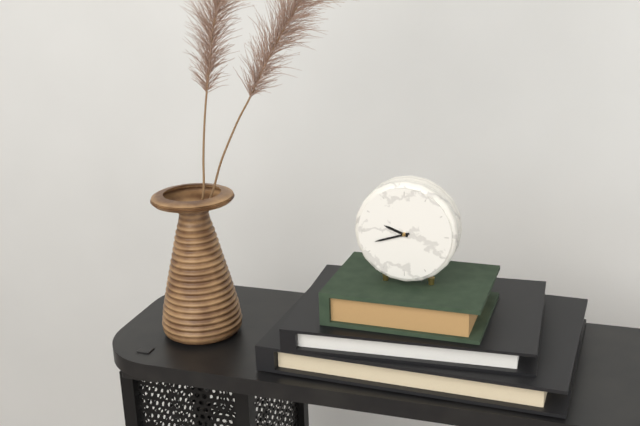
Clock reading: 9h42
